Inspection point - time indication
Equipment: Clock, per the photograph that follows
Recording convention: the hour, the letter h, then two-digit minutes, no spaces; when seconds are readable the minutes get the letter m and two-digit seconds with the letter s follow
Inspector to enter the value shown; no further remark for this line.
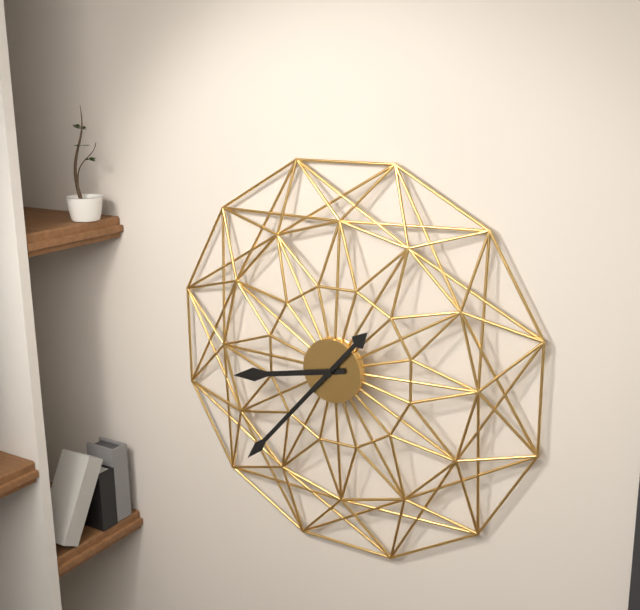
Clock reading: 8h37
